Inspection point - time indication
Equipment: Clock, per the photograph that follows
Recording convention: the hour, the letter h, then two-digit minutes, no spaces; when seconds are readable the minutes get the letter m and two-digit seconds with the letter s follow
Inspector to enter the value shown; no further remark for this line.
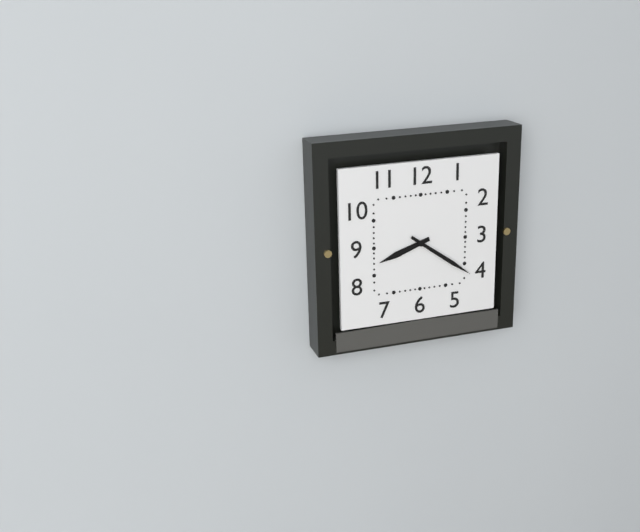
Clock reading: 8h21
